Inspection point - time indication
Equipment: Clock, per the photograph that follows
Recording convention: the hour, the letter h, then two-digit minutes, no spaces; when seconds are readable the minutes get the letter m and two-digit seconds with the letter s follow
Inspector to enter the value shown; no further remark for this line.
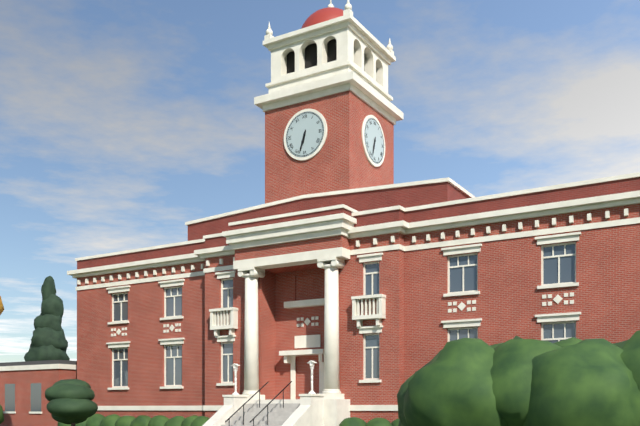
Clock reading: 6h33
